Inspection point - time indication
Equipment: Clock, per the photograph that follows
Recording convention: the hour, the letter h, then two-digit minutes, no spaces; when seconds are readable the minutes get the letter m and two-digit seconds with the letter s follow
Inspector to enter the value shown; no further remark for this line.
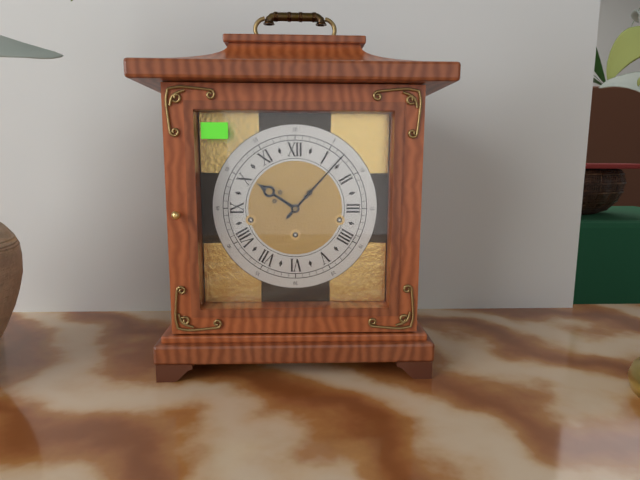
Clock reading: 10h07
